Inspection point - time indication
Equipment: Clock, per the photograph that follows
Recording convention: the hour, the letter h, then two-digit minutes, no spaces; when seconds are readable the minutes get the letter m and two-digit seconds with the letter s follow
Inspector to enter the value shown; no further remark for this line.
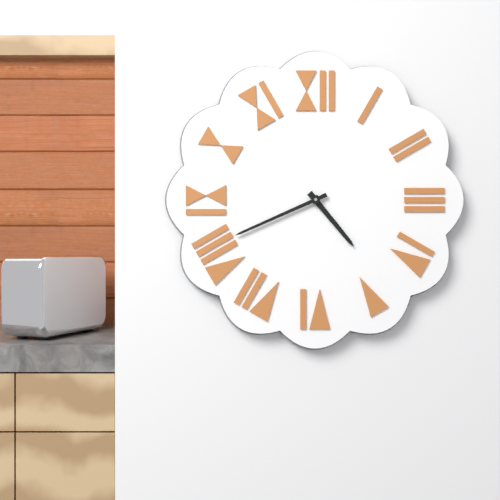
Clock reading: 4h41
